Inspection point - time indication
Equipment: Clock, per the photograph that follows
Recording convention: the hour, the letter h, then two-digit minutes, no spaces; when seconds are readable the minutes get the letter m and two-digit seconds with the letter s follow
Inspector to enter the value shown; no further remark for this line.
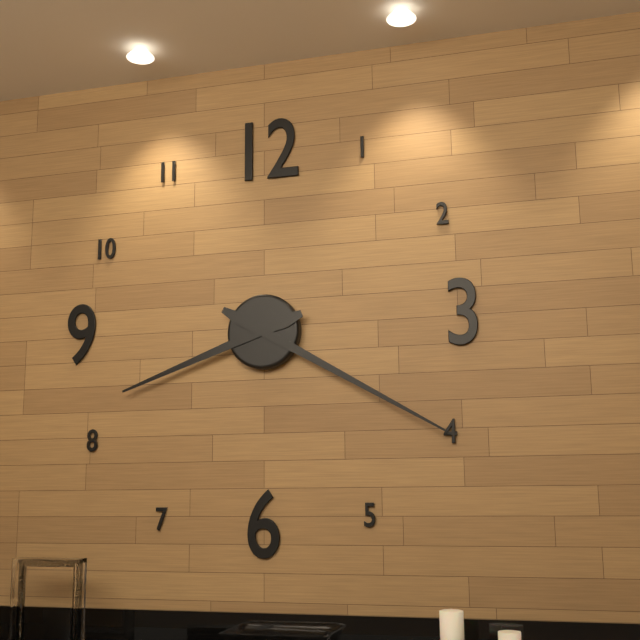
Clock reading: 8h20
